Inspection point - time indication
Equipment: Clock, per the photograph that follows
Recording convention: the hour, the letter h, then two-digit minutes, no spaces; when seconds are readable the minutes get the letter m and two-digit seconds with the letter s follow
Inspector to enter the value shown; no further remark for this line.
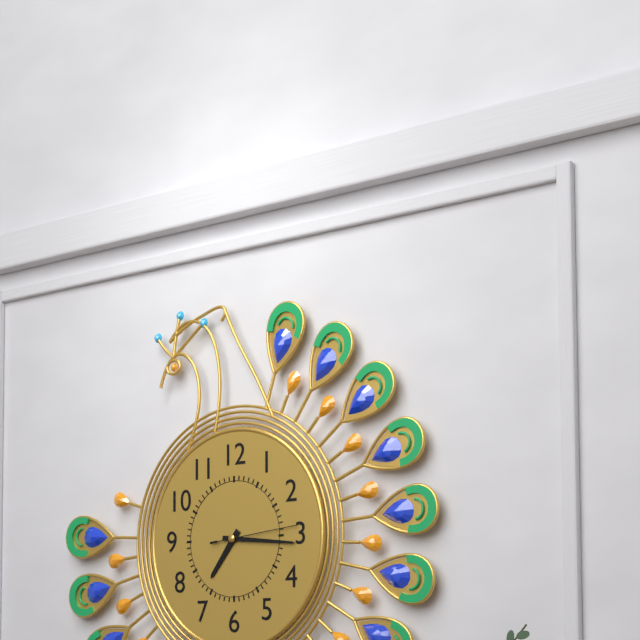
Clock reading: 7h16m14s
